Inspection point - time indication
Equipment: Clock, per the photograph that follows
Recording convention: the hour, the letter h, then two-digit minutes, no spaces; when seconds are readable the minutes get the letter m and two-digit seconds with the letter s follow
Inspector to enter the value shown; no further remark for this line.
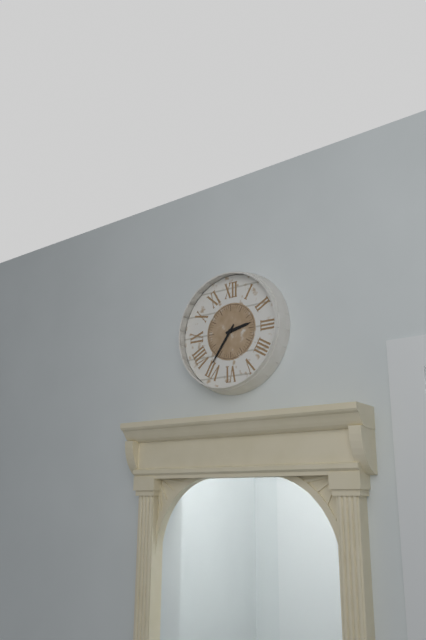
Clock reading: 2h36
